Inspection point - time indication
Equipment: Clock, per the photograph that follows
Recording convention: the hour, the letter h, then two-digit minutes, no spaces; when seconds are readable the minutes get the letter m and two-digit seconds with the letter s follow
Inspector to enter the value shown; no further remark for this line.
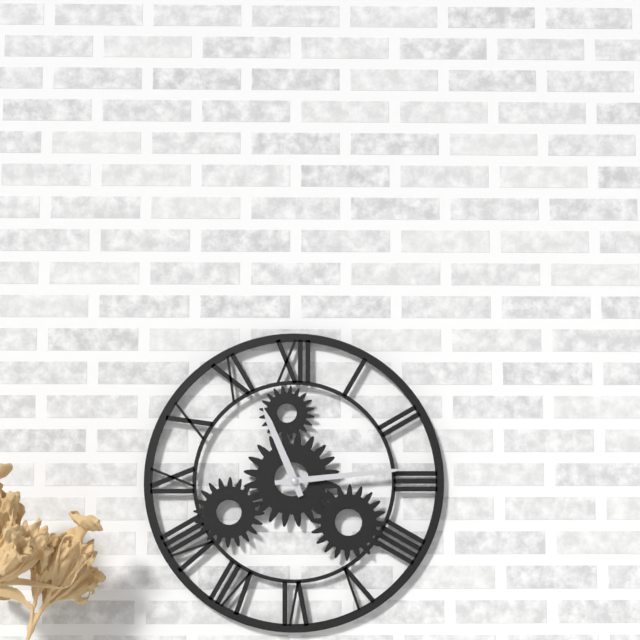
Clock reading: 11h14
